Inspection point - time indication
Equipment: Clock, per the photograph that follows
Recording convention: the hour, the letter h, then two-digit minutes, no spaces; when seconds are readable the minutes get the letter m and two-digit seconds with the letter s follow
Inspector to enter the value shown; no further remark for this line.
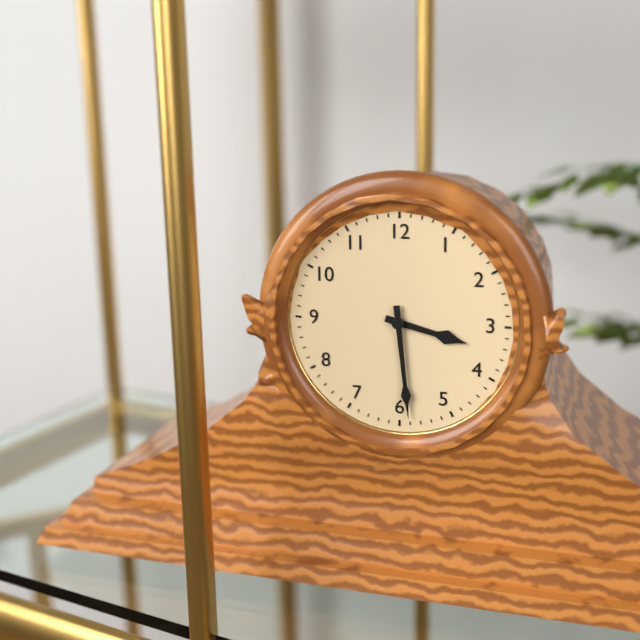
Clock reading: 3h29
